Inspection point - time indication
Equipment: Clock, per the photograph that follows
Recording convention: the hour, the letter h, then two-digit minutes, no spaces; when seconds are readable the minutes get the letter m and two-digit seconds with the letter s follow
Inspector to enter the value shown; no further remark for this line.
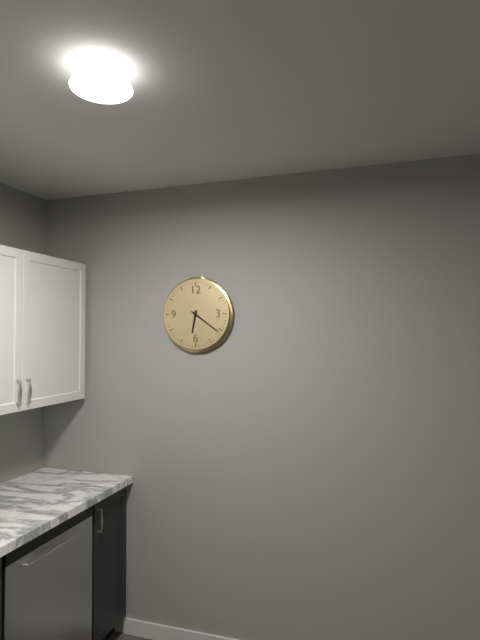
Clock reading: 6h21
